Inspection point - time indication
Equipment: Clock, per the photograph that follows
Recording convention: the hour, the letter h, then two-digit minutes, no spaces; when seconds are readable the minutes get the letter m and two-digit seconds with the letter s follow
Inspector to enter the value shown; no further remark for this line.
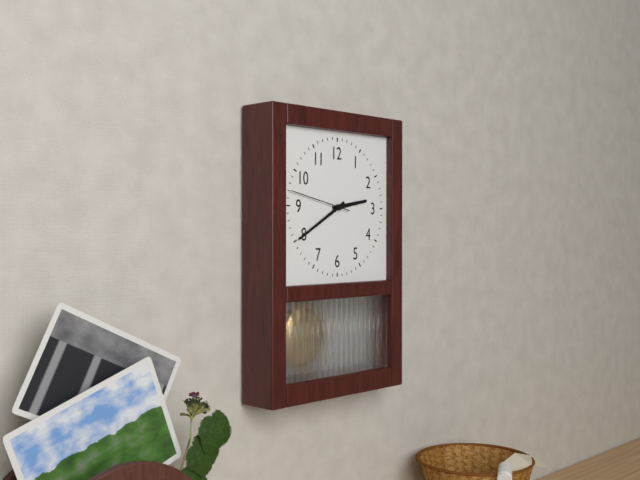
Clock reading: 2h40m47s
